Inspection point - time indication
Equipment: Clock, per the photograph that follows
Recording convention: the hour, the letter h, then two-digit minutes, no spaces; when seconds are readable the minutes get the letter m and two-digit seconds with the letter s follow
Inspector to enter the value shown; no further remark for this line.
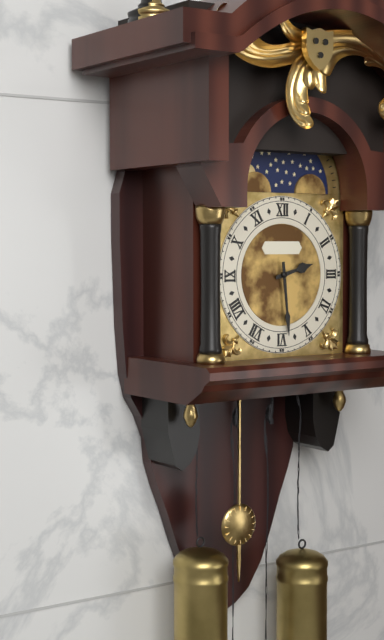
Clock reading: 2h29
